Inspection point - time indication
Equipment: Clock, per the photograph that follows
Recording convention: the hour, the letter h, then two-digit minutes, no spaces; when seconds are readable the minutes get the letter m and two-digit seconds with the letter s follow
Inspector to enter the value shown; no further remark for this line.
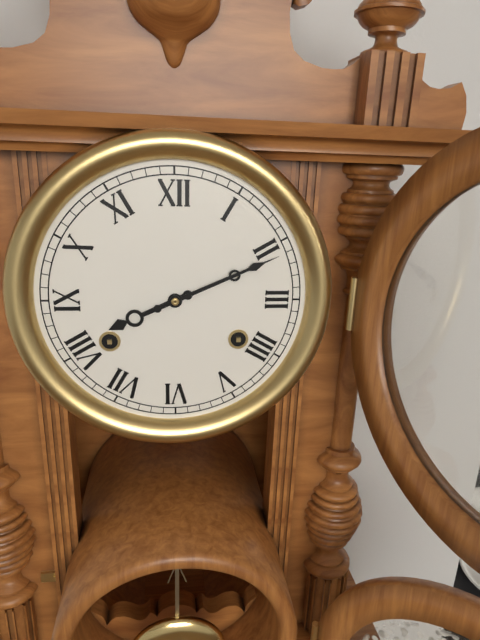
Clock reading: 8h11
